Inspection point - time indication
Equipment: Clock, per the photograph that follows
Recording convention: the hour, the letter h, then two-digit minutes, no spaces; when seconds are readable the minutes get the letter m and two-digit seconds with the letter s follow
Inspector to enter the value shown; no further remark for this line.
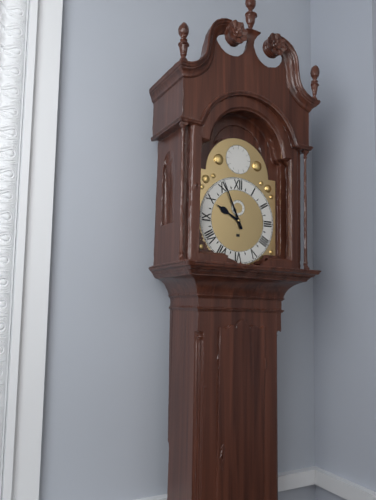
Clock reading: 9h56
